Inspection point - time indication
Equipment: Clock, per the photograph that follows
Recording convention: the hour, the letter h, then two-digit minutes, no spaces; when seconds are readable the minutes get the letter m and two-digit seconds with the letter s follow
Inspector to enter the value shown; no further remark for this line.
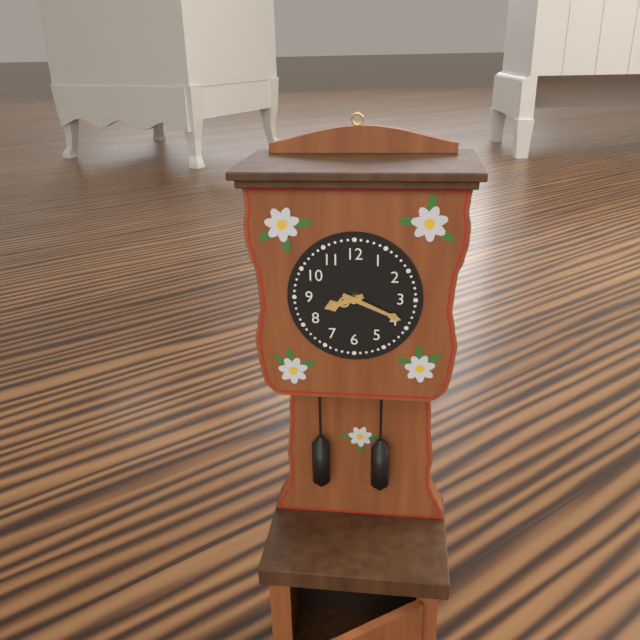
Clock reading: 8h19
